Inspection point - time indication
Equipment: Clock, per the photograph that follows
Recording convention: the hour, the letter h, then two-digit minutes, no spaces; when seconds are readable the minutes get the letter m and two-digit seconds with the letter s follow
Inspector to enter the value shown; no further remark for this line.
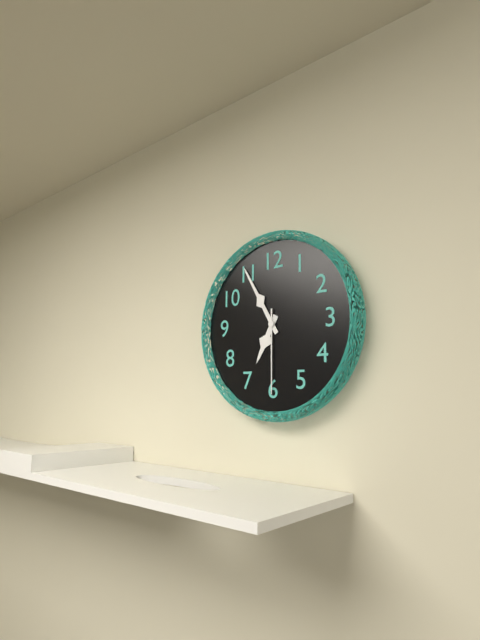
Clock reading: 6h55m30s
